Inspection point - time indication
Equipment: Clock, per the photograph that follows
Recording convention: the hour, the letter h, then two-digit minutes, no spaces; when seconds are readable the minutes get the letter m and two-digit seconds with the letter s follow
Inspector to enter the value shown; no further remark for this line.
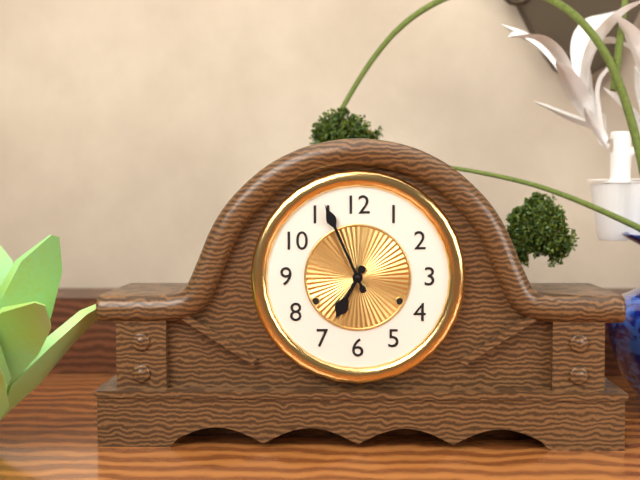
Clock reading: 6h56
